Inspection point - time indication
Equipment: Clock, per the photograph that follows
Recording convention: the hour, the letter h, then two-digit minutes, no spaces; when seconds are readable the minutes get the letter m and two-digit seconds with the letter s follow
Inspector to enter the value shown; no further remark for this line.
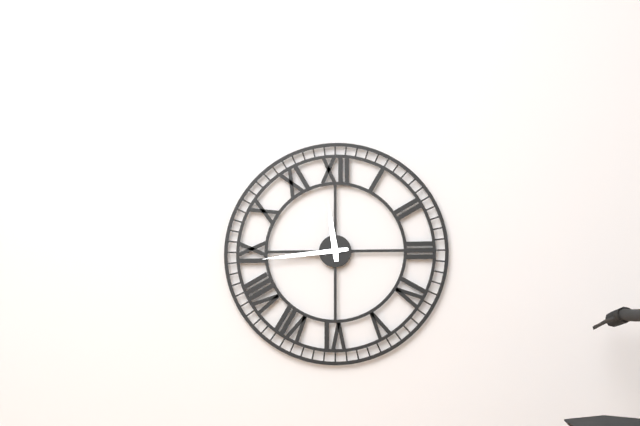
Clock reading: 11h44
